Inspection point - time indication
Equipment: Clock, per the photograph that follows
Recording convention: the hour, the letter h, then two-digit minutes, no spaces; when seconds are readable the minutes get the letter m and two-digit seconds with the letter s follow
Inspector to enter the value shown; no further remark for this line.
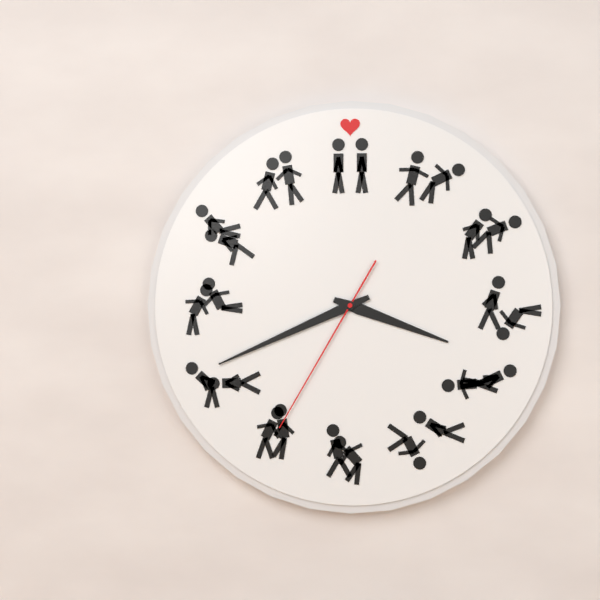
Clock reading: 3h41m35s
